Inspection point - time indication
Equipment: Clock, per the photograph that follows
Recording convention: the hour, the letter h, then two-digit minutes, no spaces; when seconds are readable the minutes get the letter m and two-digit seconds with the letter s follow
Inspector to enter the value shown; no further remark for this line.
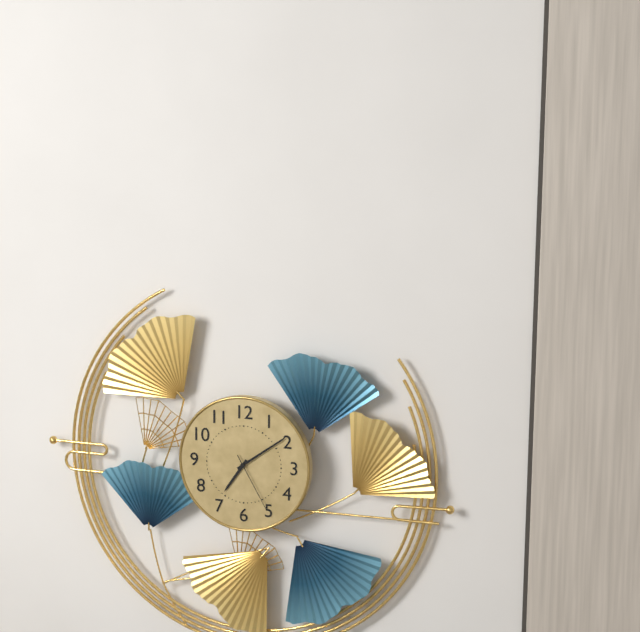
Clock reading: 7h09m25s
